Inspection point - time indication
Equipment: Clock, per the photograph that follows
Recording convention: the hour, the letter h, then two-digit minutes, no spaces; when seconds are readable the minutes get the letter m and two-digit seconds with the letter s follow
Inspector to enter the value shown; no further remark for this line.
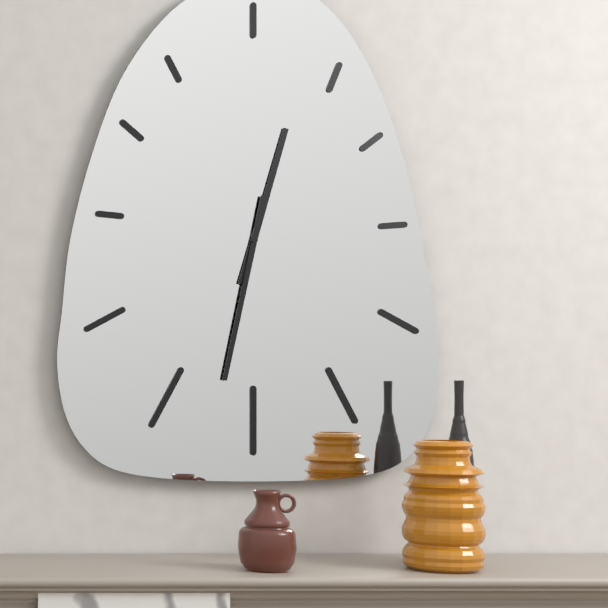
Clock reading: 12h32
